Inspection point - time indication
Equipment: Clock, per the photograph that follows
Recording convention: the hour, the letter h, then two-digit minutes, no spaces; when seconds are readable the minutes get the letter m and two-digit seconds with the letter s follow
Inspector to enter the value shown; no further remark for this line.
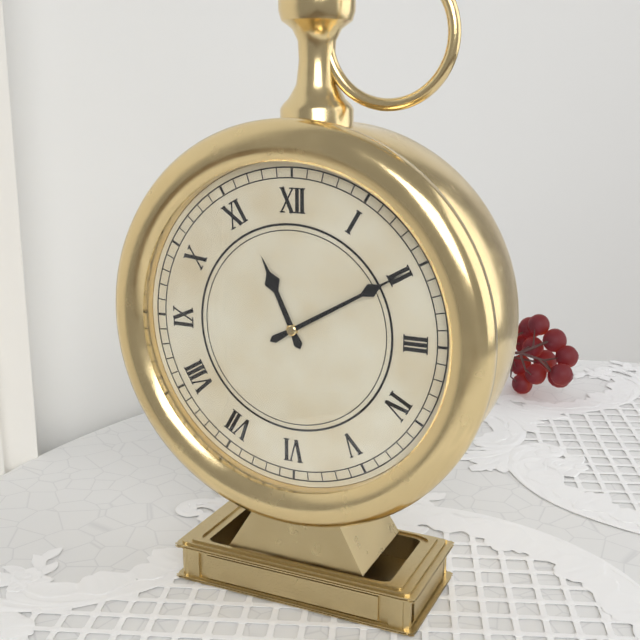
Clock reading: 11h10
